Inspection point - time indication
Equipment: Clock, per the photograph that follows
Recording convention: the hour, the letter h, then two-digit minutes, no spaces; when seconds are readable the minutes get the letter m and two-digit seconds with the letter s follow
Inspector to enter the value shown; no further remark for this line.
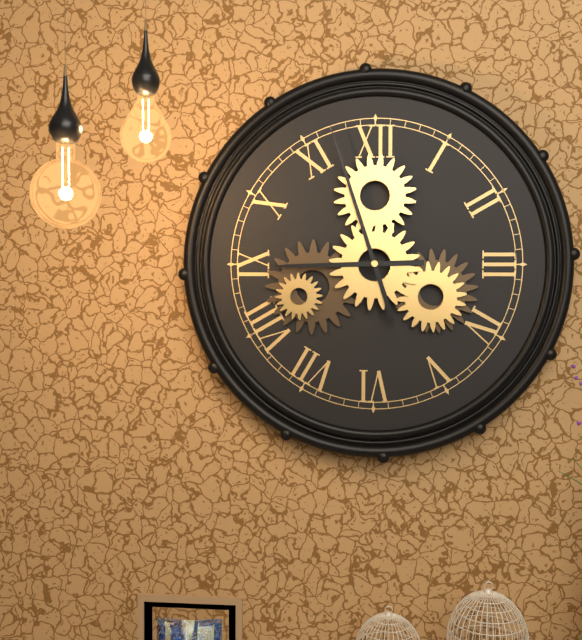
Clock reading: 8h57
